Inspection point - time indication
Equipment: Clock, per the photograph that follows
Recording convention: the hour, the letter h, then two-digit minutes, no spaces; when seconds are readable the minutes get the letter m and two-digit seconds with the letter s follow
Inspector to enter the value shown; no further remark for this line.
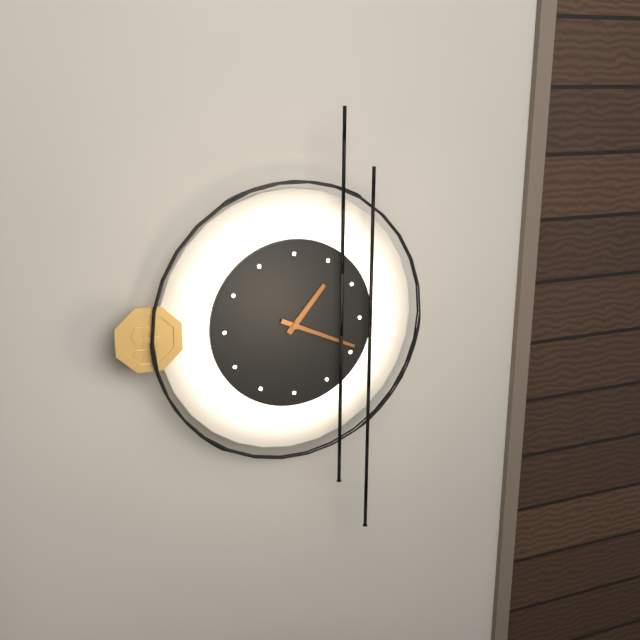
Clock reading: 1h19
